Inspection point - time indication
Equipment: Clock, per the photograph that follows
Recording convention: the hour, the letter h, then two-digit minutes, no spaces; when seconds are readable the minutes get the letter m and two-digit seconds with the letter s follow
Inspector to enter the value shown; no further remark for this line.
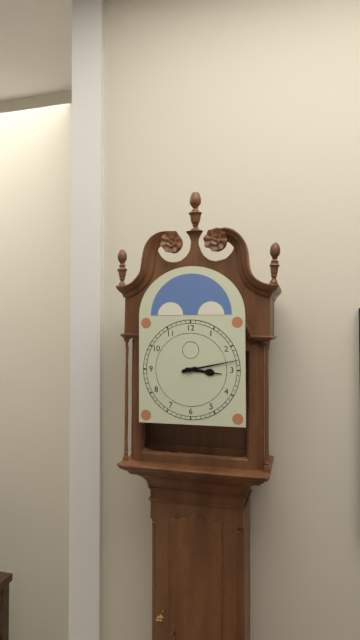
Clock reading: 3h13
